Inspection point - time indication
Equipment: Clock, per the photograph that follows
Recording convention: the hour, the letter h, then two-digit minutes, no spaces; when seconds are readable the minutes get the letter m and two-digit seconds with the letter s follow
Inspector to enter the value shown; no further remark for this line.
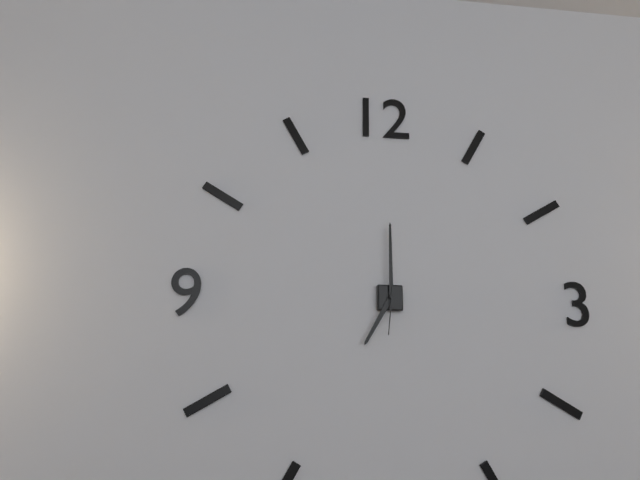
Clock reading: 7h00
